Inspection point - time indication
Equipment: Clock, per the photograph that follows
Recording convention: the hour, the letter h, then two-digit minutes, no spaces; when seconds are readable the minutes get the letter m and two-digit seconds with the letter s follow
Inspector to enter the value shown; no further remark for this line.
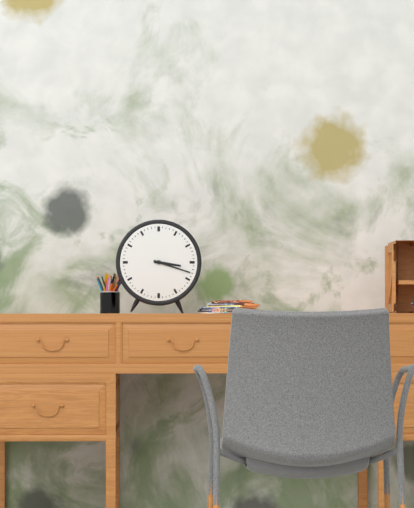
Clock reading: 3h18
